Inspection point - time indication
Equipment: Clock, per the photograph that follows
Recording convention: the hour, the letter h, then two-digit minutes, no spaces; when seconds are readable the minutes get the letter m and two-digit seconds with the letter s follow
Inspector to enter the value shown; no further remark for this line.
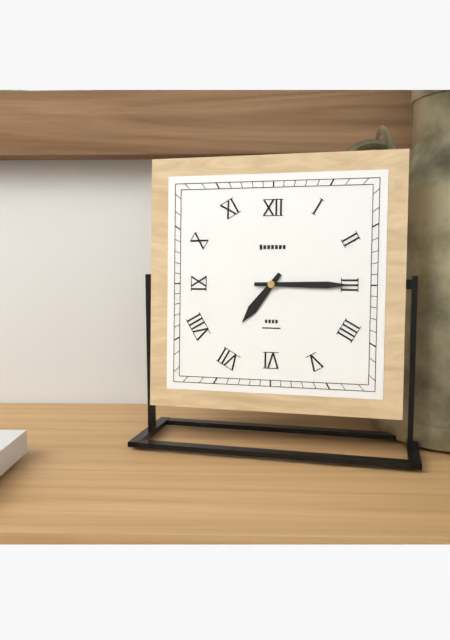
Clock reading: 7h15
